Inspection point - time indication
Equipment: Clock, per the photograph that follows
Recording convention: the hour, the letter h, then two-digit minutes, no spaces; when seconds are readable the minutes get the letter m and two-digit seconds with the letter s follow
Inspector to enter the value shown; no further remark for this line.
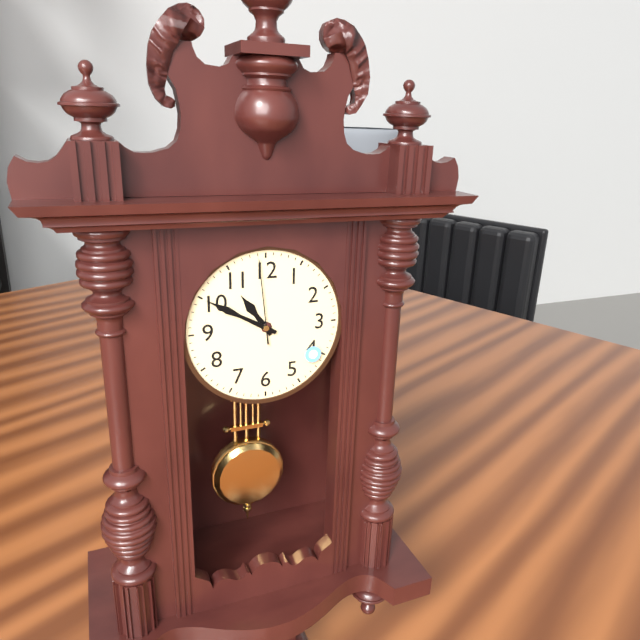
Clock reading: 10h50m59s
